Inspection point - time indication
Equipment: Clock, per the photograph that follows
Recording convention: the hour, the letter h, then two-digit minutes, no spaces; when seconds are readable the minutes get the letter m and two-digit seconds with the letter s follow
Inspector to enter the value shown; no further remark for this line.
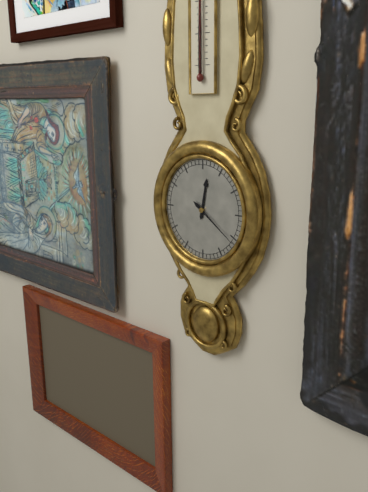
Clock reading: 12h21
